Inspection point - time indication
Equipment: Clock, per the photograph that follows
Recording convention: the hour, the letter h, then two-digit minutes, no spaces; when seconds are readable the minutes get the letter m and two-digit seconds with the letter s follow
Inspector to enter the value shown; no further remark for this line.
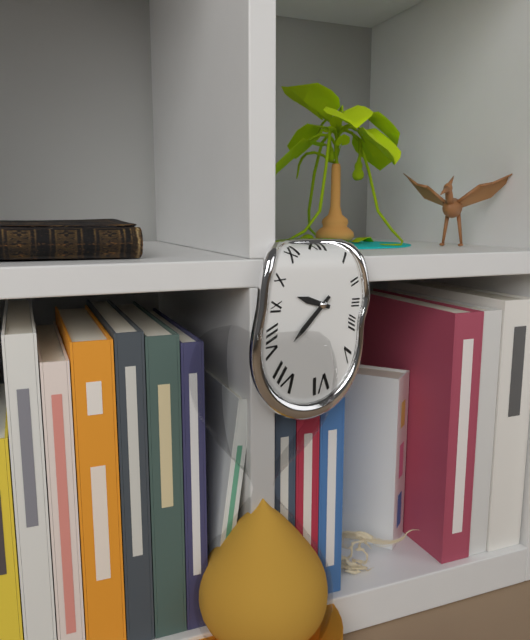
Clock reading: 9h37
